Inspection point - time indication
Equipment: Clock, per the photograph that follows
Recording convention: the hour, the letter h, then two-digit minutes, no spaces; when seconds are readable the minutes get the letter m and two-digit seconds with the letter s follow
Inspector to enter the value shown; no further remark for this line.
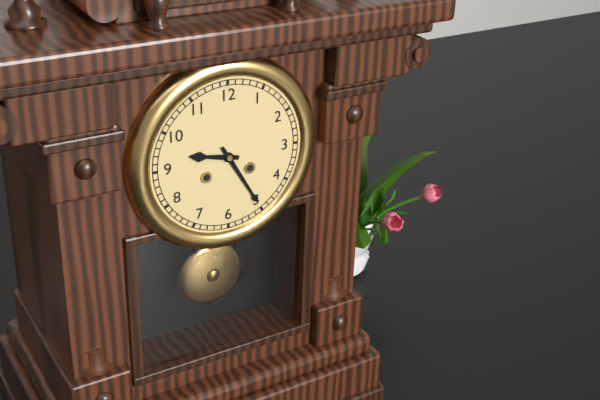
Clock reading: 9h25
